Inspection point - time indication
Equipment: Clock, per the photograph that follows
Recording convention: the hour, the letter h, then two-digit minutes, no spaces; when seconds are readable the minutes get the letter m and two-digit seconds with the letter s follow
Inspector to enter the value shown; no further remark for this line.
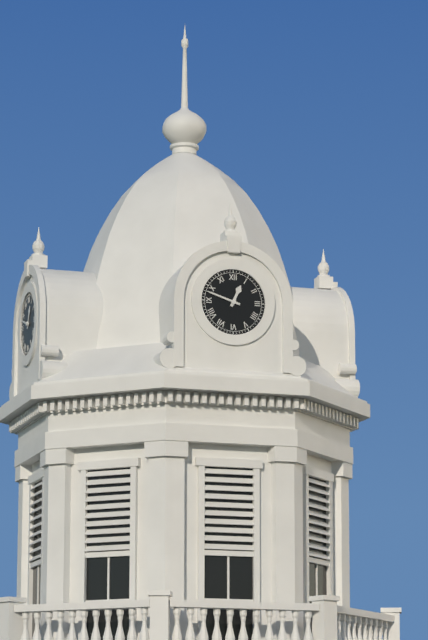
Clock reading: 12h48
